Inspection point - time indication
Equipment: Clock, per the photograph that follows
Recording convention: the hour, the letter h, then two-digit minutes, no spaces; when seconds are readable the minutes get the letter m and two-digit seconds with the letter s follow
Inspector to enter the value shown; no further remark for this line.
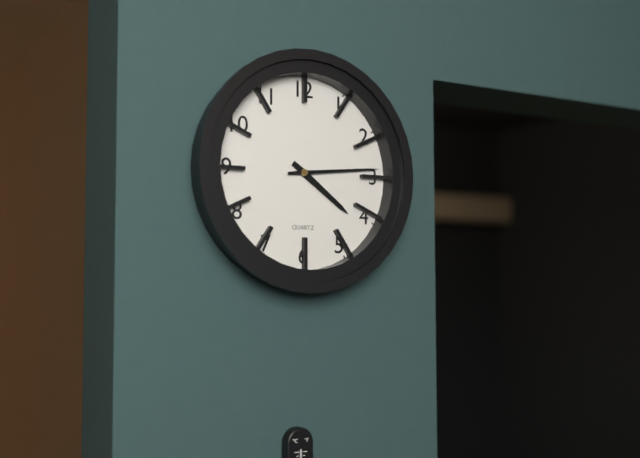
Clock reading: 4h14
